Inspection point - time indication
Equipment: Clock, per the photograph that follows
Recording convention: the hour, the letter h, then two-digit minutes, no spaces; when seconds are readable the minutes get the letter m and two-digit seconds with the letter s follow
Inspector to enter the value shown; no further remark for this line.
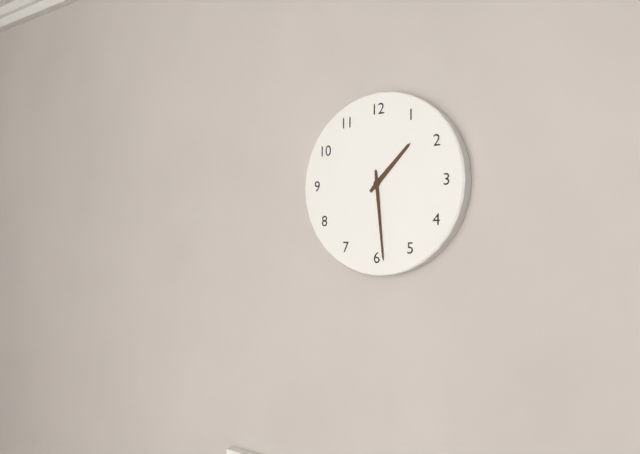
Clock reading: 1h29
